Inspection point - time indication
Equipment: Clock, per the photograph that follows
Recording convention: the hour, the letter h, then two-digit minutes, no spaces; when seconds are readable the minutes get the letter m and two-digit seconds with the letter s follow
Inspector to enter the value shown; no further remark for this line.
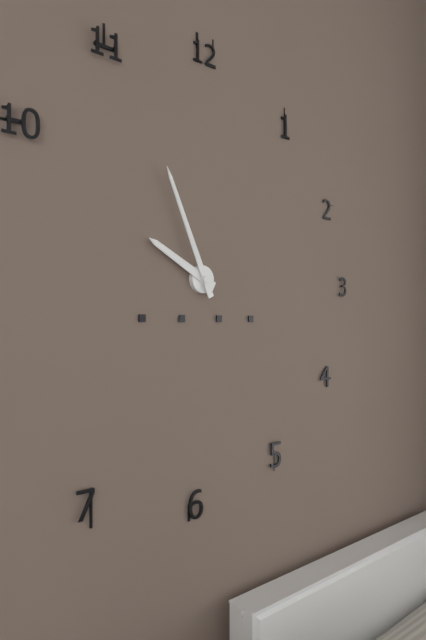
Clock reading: 9h56
